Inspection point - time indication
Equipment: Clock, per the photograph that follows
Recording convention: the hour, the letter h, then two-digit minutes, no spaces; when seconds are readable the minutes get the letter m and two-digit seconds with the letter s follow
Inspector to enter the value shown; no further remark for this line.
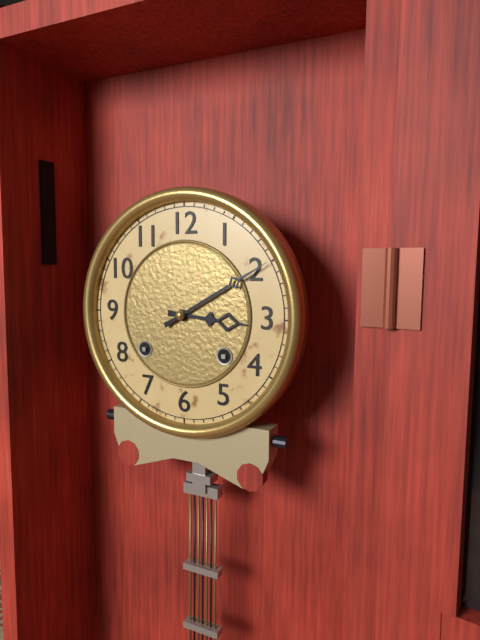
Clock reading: 3h10
